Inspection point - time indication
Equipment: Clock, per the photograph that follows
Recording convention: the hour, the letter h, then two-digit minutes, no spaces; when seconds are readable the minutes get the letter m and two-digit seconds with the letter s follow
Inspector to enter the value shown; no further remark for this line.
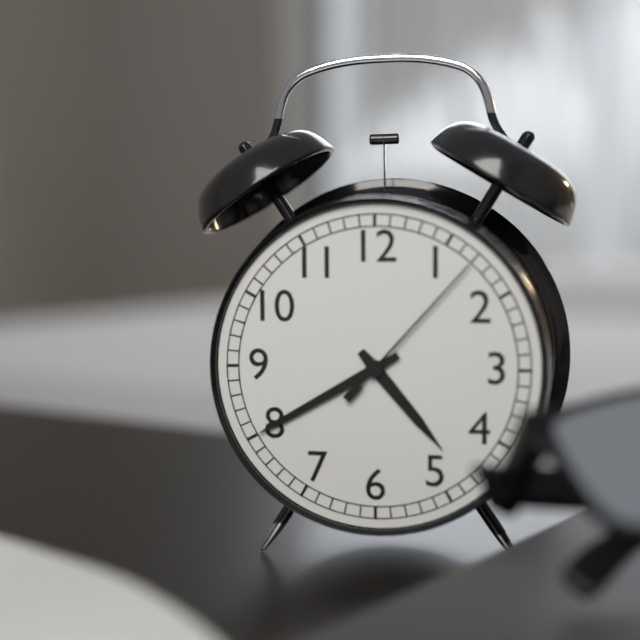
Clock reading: 4h40m07s
